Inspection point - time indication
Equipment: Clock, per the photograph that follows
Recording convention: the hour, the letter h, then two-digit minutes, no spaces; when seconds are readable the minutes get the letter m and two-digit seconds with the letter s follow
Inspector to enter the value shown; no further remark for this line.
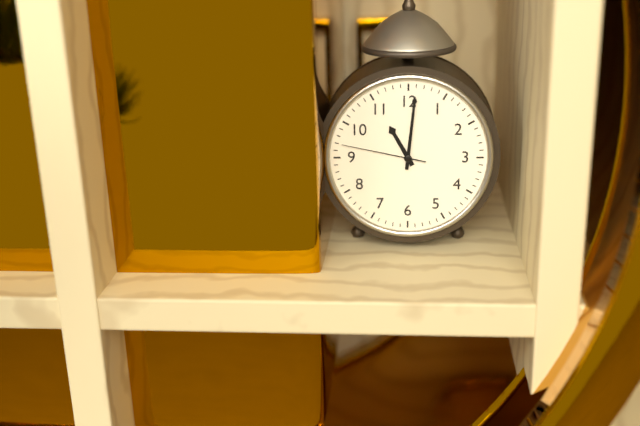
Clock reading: 11h01m47s
